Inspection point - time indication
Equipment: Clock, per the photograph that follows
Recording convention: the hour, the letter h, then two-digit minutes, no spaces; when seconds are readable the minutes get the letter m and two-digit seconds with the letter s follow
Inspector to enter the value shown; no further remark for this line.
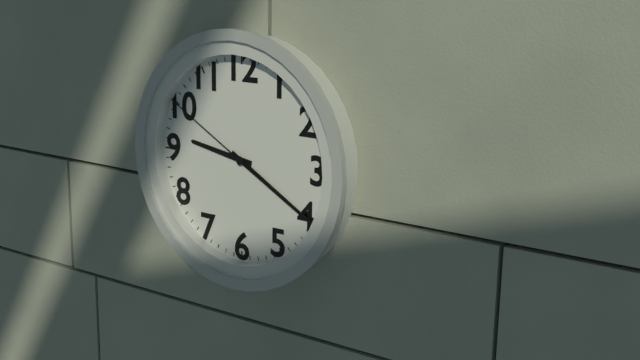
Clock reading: 9h20m50s
